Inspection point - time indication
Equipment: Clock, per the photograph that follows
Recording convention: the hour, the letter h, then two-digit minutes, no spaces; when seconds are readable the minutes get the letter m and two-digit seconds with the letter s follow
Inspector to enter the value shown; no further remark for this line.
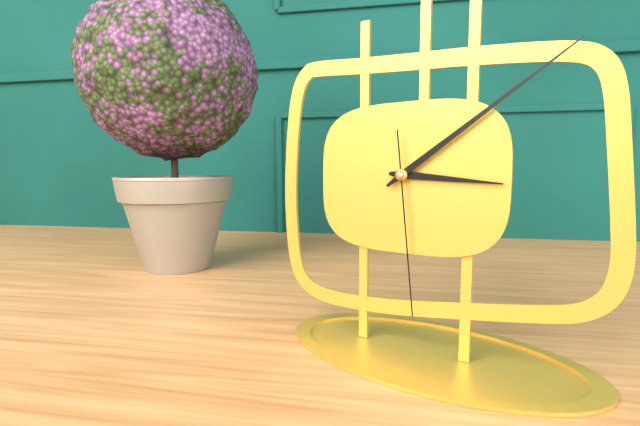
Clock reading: 3h09m29s
